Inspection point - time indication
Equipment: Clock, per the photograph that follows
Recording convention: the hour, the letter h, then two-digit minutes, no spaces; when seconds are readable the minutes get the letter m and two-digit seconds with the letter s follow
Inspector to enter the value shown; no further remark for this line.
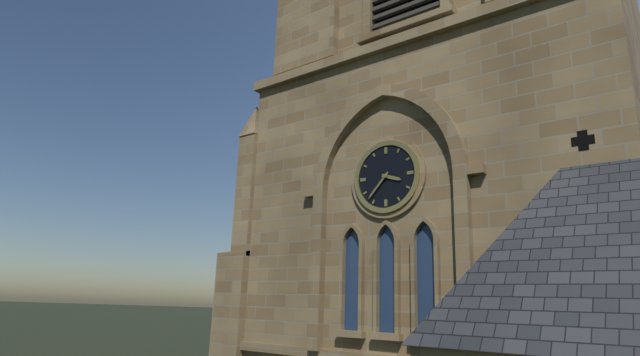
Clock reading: 3h37
